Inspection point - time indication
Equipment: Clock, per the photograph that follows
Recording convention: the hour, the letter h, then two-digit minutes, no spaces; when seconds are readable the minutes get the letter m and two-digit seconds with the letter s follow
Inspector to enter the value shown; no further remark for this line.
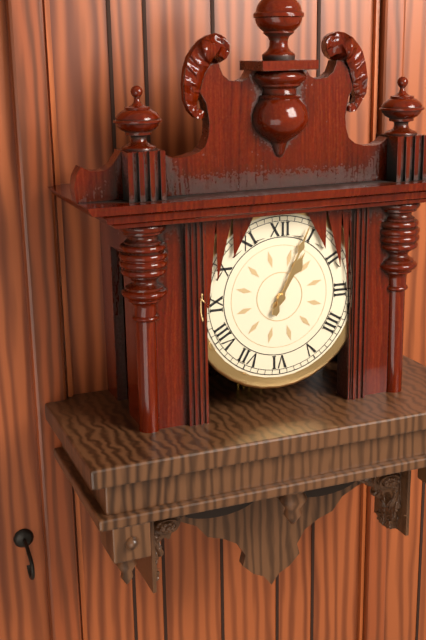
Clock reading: 1h04
